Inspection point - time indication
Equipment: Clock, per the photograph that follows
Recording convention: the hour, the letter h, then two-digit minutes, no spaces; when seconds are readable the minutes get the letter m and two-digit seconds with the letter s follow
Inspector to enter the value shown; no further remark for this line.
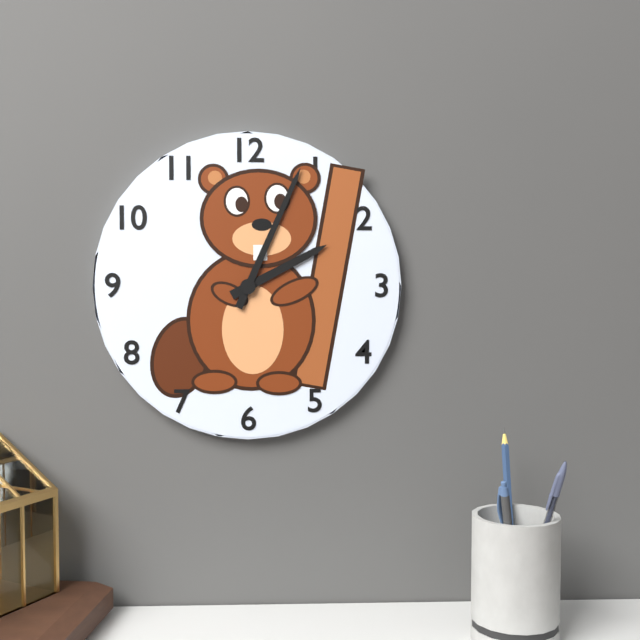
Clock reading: 2h04
